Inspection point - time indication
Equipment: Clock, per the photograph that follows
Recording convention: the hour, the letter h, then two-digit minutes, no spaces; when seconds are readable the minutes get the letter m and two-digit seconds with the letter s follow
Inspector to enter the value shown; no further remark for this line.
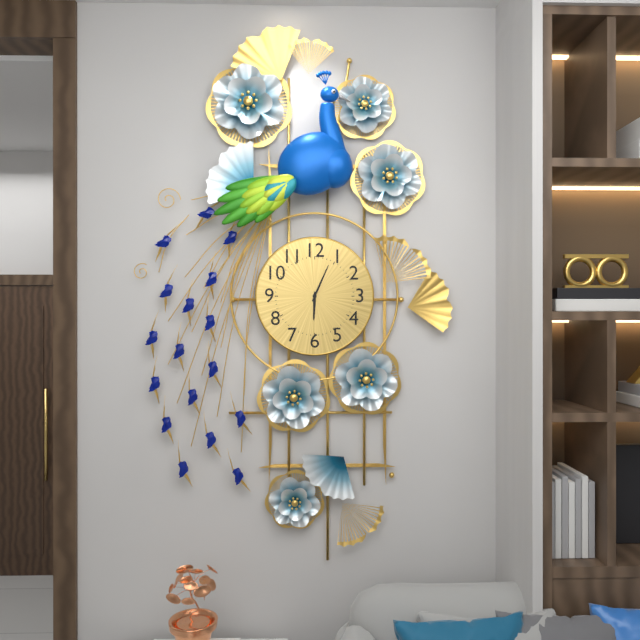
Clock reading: 6h04
